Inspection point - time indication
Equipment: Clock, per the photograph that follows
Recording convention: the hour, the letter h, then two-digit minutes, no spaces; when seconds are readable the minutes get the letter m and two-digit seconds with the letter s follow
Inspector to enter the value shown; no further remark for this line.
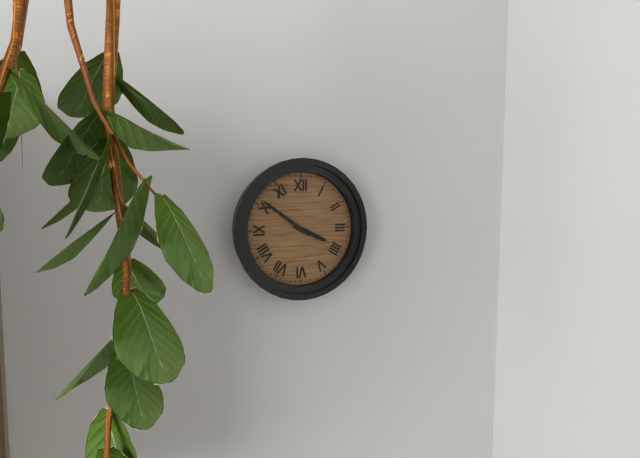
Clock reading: 3h51
